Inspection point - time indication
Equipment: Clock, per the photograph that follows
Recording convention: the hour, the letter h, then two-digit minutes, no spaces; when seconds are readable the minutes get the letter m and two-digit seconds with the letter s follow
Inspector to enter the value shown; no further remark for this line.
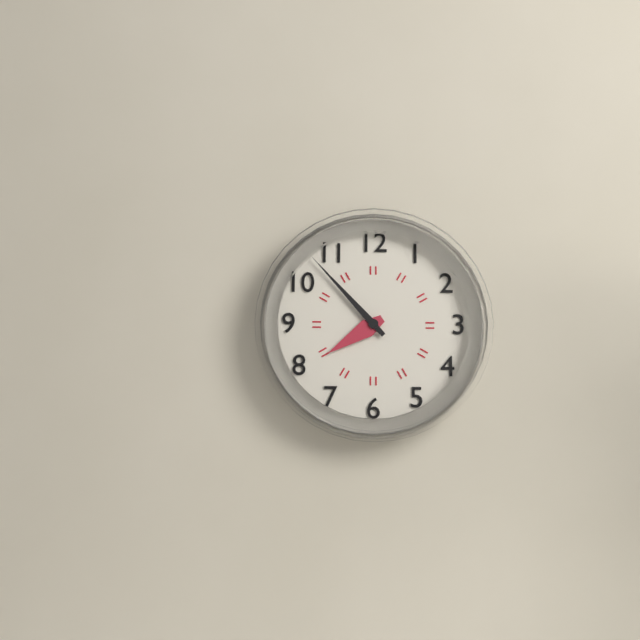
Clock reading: 7h53
